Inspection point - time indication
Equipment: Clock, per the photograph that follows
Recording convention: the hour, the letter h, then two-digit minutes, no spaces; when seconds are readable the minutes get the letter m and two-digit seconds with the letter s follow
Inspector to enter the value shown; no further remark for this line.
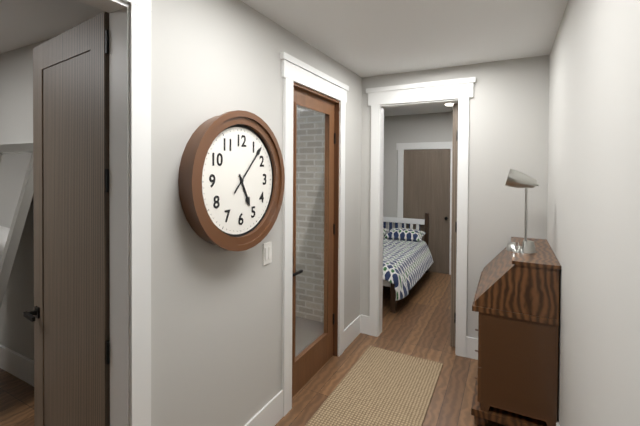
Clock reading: 5h07
